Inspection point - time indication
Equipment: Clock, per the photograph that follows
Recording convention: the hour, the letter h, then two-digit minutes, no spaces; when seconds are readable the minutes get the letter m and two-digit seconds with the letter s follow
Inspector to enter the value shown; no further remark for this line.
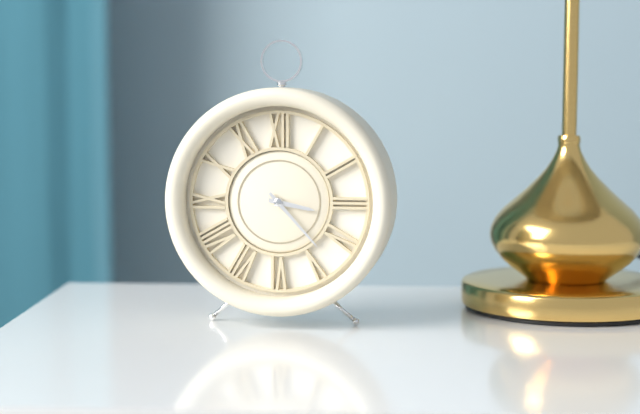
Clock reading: 3h23
